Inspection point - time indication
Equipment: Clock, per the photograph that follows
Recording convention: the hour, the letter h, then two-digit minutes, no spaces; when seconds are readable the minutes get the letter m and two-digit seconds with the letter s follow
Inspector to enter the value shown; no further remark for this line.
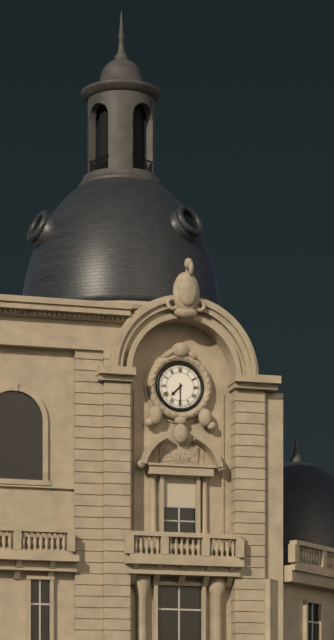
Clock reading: 7h30
